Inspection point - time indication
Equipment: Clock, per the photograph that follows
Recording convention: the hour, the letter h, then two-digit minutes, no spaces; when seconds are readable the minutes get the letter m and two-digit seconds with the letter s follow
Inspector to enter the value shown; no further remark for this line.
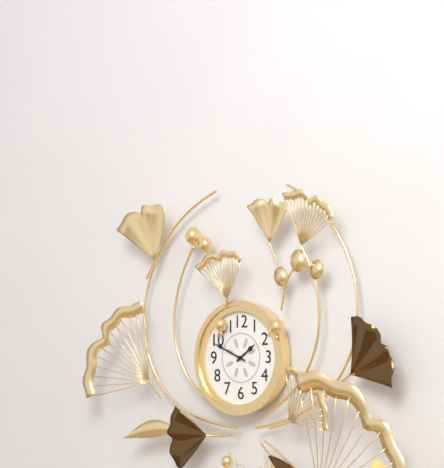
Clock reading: 1h49
